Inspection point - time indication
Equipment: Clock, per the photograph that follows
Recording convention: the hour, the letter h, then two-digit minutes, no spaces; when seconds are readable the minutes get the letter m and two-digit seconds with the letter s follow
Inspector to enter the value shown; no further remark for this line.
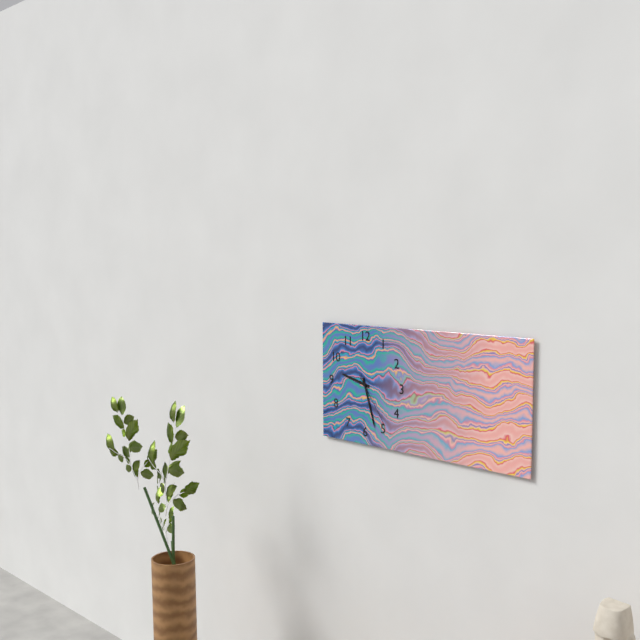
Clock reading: 9h27m24s
